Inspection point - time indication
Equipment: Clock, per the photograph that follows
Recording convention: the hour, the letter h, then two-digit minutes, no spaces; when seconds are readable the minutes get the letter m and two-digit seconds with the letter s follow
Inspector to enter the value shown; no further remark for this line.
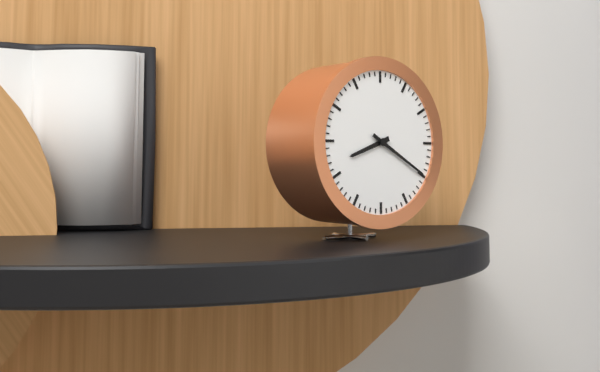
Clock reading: 8h20
